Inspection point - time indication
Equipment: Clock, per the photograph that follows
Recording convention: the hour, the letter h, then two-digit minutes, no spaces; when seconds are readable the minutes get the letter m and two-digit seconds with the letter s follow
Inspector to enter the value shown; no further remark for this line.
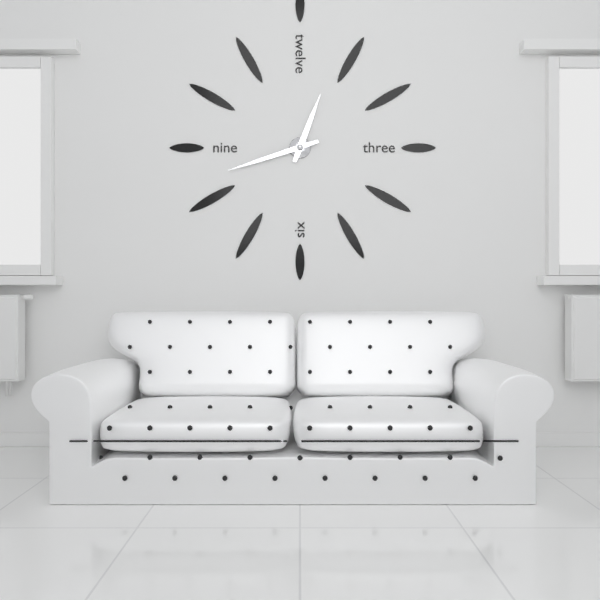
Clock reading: 12h42
